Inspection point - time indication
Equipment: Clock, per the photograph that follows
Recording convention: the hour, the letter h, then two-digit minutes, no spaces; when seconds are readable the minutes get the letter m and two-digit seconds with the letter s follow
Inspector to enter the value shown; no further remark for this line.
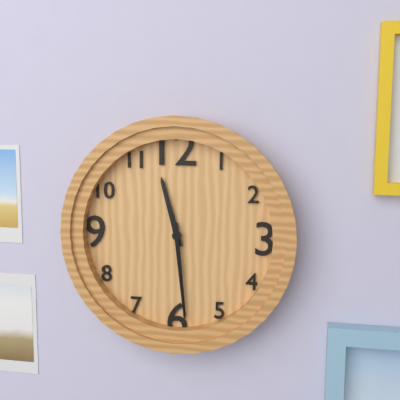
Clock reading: 11h29
